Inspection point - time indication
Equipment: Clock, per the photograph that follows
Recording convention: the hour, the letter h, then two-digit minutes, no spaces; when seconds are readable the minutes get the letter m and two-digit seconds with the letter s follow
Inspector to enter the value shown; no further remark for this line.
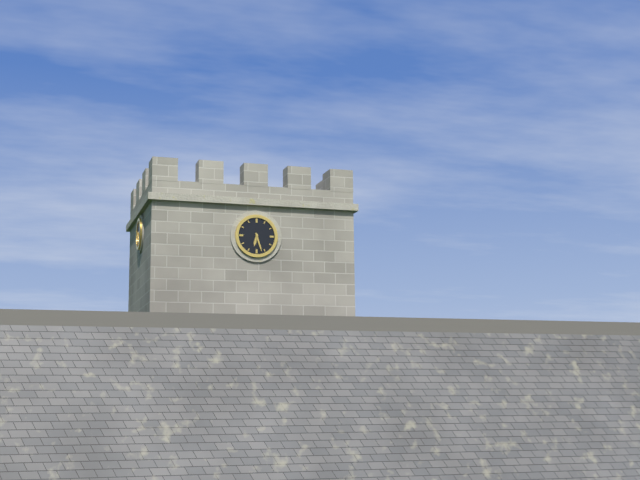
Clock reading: 6h27
